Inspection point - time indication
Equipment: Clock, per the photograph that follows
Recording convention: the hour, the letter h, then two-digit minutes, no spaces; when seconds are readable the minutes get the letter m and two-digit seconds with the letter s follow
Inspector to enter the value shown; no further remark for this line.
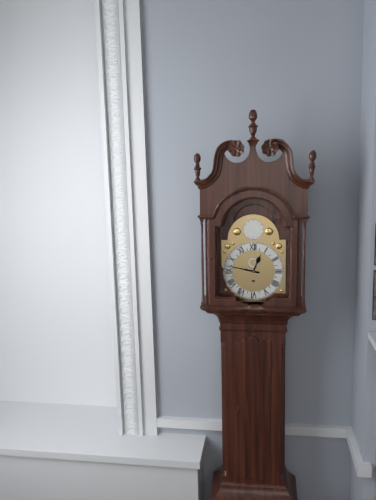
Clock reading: 12h47
